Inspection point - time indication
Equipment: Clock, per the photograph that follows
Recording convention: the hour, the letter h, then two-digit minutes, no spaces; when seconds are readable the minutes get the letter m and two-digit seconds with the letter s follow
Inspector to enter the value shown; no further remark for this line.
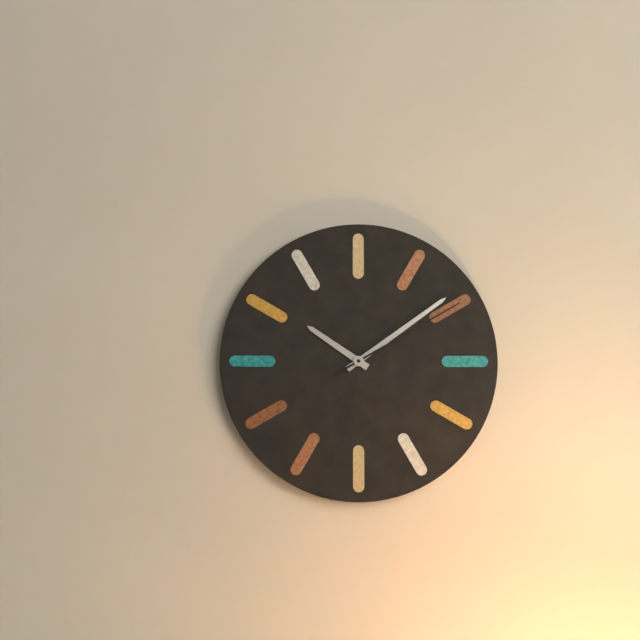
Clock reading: 10h09m10s
